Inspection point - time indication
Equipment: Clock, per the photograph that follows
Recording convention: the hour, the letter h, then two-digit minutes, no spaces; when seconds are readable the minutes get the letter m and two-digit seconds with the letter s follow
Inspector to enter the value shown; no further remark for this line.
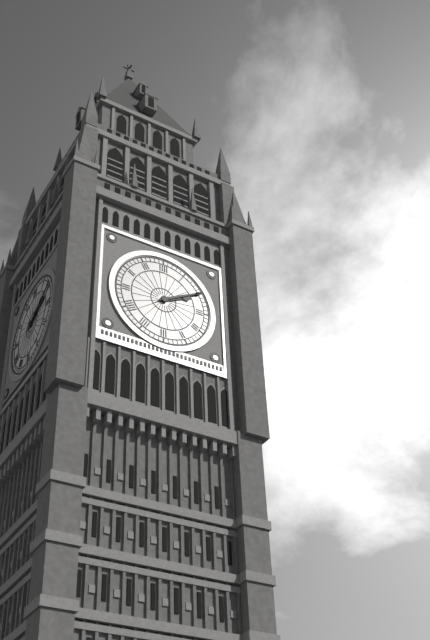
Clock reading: 2h10
